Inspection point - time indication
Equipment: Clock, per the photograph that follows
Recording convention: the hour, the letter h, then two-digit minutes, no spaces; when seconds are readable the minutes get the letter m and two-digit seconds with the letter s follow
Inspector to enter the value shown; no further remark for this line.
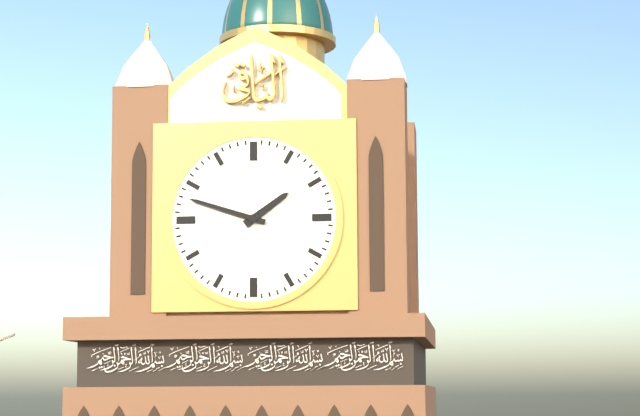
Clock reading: 1h48
